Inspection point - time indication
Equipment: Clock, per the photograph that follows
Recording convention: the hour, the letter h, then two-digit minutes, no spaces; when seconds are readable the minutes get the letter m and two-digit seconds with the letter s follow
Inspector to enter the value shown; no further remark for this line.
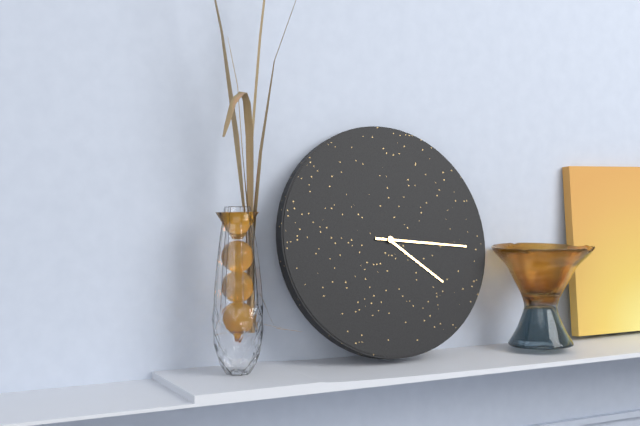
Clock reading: 4h16
